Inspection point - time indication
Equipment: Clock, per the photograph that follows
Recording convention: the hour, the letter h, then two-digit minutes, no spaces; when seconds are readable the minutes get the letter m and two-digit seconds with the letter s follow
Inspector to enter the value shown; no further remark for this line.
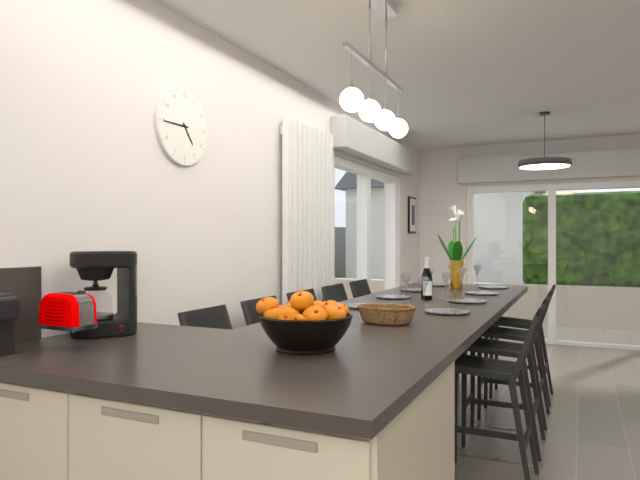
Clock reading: 4h45
